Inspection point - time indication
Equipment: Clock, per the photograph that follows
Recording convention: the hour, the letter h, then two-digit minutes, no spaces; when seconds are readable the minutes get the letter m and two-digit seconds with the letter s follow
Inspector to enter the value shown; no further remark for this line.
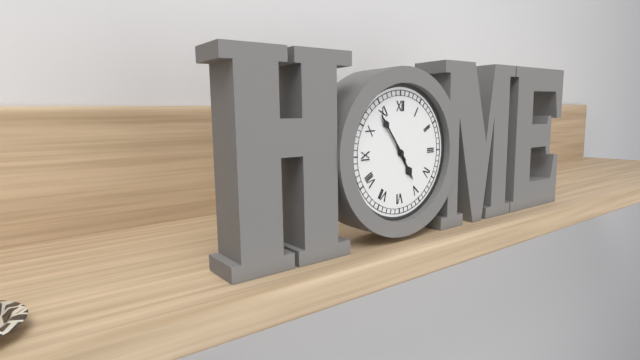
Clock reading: 4h54
